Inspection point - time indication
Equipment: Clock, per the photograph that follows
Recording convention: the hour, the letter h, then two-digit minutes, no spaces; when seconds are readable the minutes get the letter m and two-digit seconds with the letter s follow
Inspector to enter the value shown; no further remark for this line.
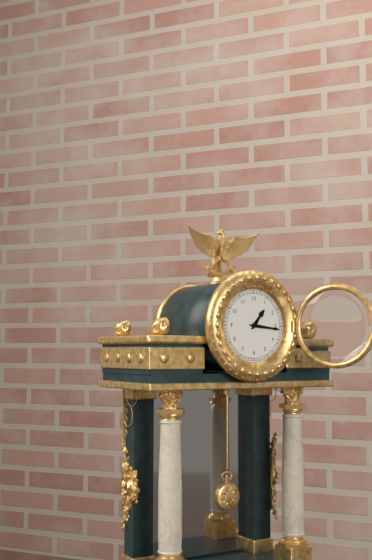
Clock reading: 1h16
